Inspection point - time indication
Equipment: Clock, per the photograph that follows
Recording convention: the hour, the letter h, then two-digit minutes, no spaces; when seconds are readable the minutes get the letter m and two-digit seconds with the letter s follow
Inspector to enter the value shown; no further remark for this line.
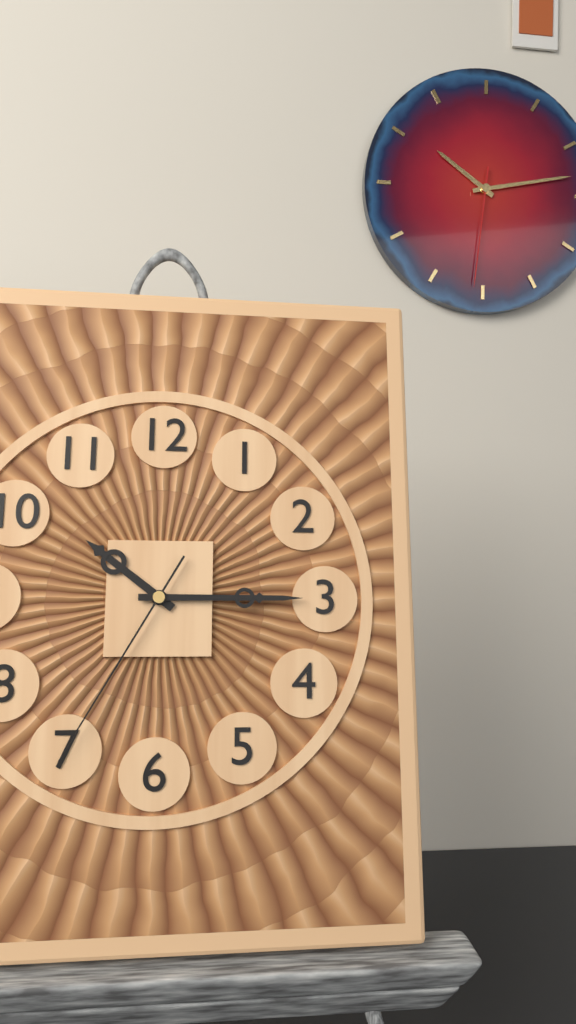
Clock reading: 10h15m35s
